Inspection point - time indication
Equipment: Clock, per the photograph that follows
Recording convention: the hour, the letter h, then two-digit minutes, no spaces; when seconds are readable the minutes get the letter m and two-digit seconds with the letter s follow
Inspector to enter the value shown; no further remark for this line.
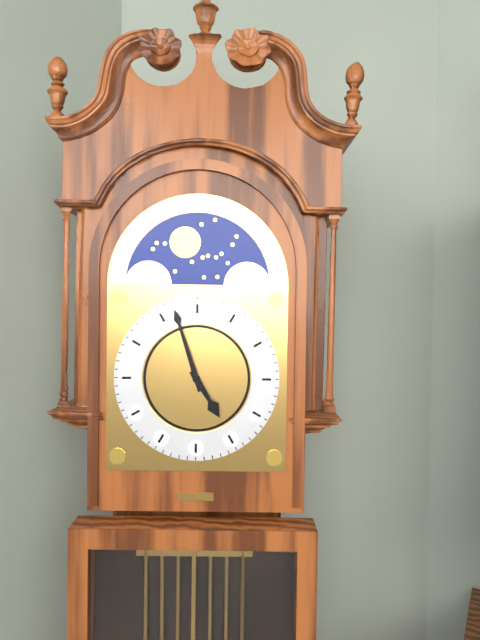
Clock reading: 4h57
